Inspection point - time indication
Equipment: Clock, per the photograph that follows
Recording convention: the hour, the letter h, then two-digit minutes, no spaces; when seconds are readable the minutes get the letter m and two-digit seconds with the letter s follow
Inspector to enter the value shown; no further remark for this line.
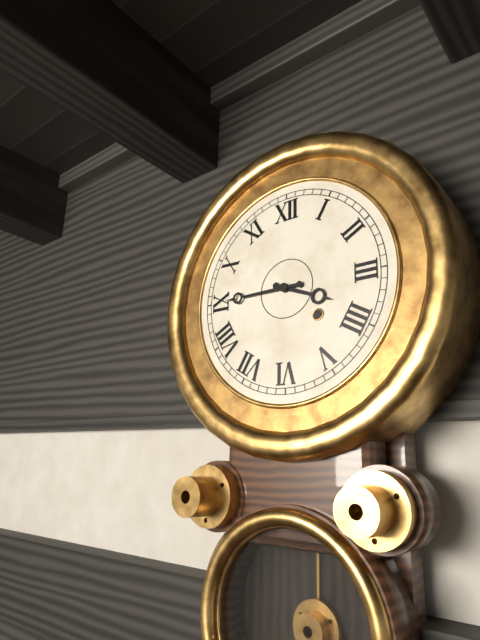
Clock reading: 3h45
